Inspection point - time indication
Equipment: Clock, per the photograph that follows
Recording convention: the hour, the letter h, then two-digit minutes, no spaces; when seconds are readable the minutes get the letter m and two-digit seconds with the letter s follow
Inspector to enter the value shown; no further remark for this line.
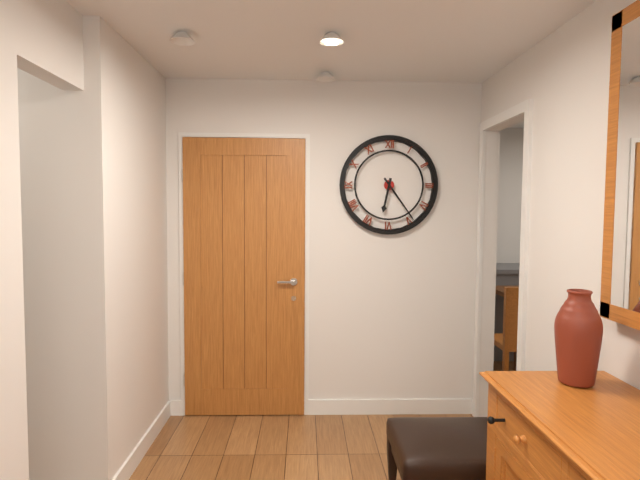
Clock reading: 6h24
